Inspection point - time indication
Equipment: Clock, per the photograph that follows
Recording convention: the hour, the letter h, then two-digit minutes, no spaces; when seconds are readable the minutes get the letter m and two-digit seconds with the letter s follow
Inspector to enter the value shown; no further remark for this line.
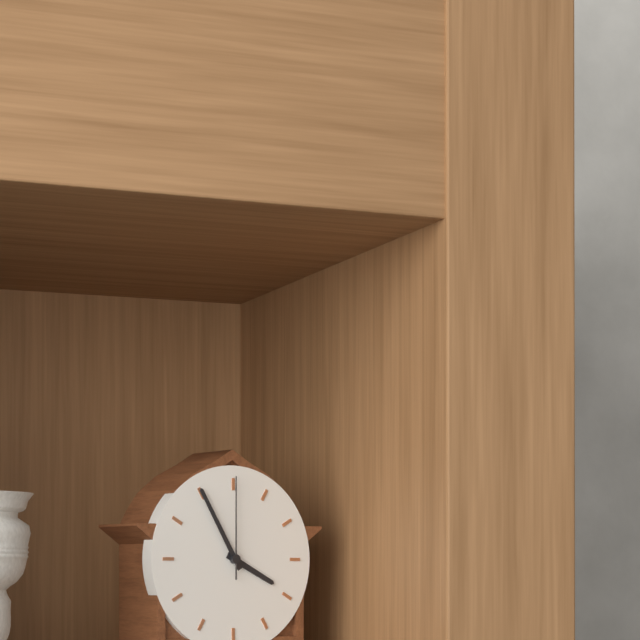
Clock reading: 3h55m00s
